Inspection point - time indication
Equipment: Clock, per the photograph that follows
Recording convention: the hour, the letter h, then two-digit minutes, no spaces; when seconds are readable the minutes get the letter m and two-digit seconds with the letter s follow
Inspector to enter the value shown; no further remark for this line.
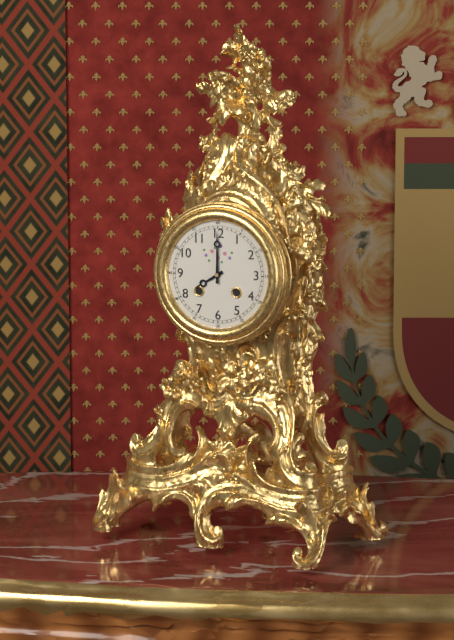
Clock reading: 8h00
